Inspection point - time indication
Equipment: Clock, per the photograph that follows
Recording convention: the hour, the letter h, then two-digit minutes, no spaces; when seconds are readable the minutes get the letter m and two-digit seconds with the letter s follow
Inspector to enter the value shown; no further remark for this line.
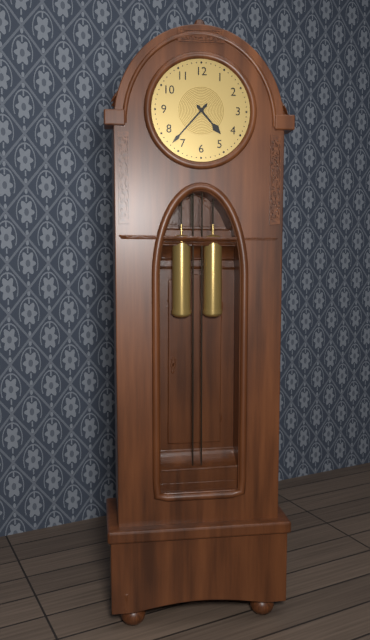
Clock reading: 4h37
